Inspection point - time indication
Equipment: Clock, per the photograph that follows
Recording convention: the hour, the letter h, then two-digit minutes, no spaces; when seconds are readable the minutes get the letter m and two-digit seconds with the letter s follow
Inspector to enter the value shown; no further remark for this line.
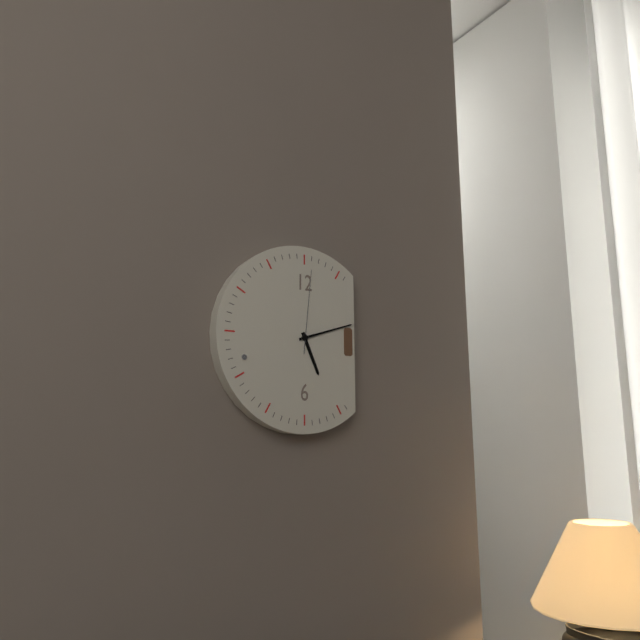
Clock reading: 5h12m01s
